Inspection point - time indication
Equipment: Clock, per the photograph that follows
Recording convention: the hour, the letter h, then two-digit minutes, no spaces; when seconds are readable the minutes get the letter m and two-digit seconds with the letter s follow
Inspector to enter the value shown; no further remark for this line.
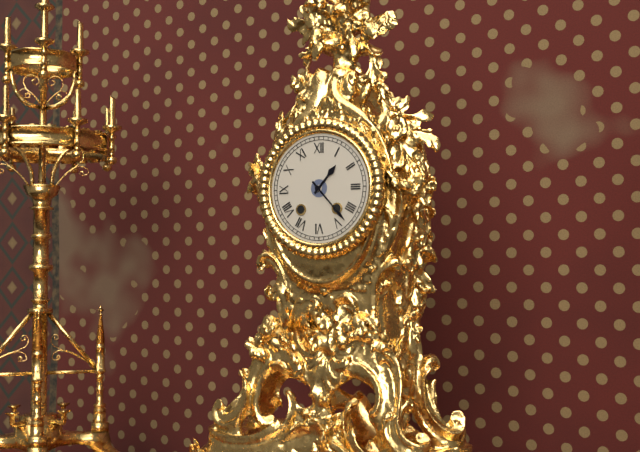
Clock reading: 1h23
